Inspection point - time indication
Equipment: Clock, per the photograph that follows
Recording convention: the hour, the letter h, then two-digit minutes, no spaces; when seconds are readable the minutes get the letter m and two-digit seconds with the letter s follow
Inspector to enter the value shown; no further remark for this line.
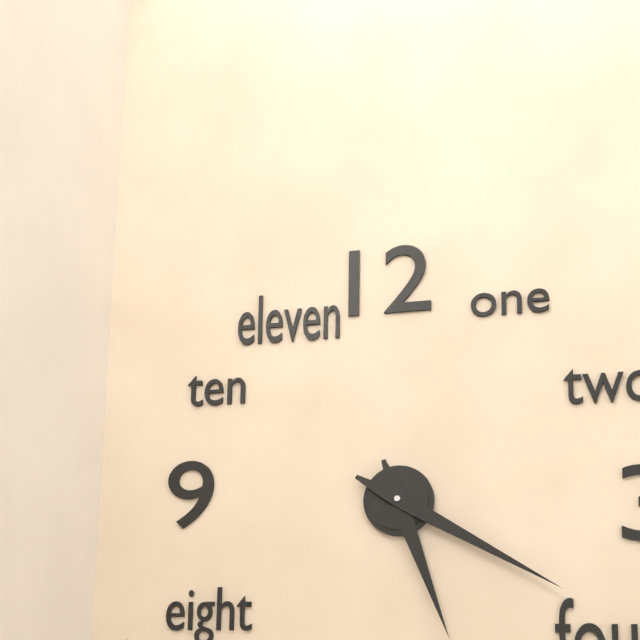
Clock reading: 5h20
